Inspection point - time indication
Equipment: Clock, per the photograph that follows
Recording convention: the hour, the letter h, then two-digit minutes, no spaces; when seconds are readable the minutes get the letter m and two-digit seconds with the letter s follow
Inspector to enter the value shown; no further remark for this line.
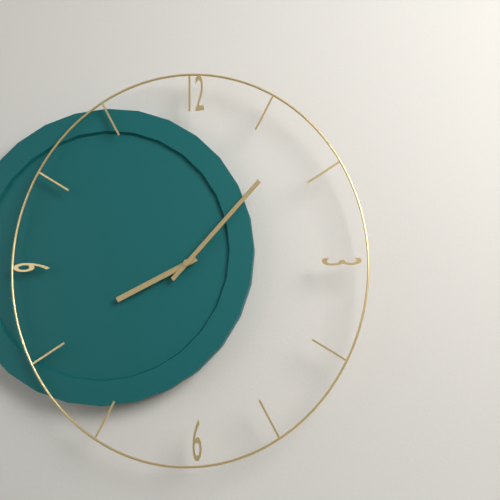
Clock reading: 8h07
